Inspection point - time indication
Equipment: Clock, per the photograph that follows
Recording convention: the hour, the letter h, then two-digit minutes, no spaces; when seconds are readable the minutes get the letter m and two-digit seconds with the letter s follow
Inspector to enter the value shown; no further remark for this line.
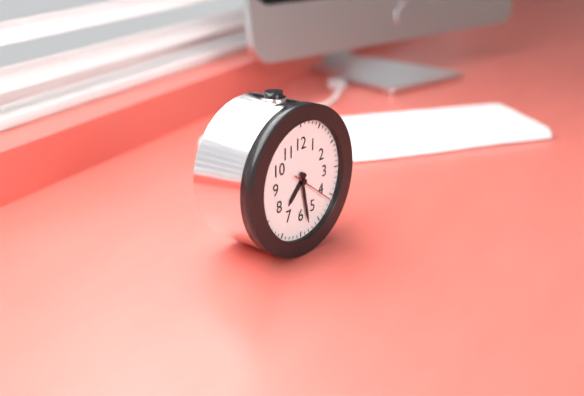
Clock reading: 7h28
